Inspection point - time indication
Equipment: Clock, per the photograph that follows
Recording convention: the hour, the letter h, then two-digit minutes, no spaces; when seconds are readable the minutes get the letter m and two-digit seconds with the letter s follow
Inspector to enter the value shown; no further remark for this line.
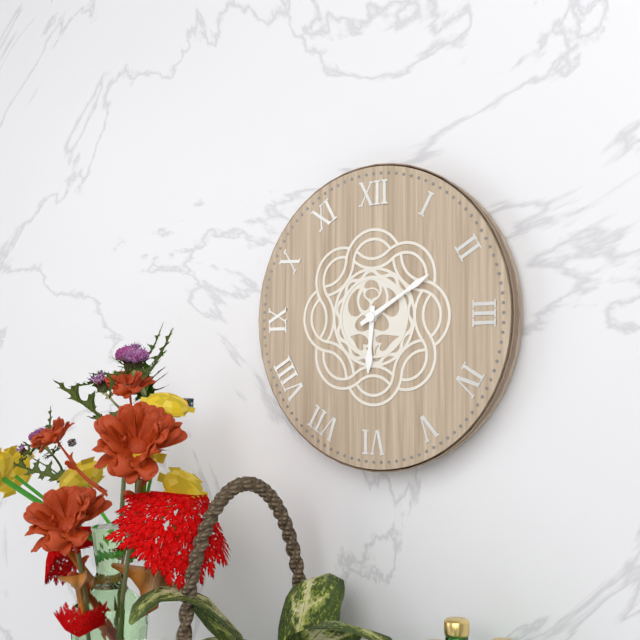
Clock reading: 6h10
